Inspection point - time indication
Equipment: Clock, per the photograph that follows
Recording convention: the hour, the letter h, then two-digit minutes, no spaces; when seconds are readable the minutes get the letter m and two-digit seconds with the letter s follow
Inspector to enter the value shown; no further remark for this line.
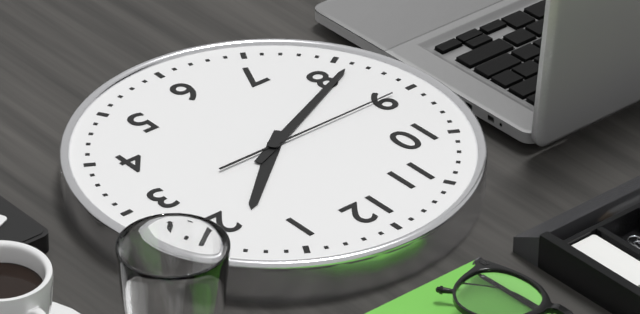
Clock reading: 1h41m45s
